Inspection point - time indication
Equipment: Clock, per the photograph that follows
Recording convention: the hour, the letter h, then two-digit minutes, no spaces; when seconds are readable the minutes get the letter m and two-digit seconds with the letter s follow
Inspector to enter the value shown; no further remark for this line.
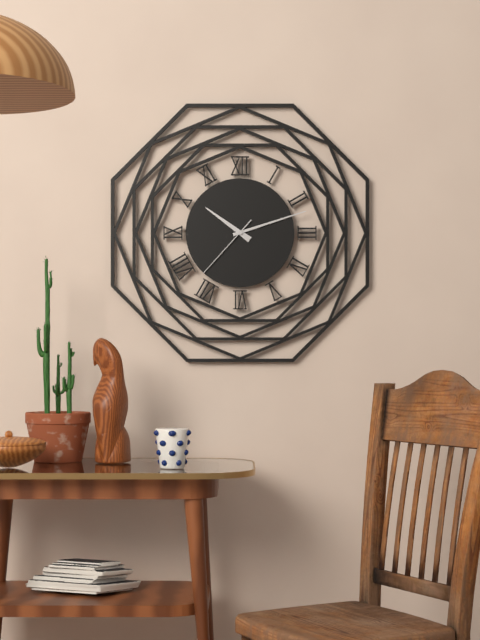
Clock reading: 10h12m37s
